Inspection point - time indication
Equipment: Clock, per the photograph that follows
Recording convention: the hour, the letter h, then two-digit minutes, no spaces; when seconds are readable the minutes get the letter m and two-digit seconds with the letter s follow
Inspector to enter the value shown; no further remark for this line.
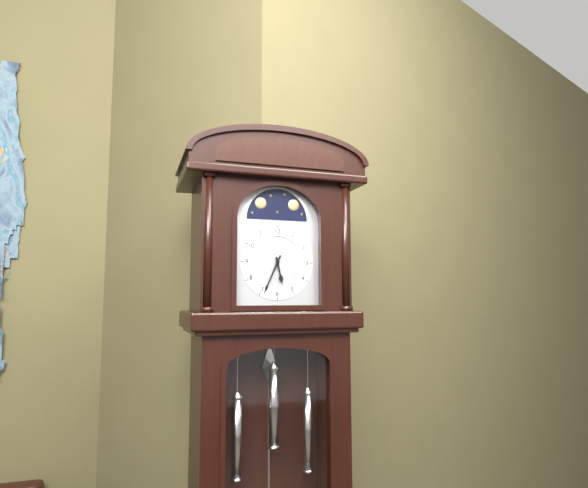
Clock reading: 5h34
